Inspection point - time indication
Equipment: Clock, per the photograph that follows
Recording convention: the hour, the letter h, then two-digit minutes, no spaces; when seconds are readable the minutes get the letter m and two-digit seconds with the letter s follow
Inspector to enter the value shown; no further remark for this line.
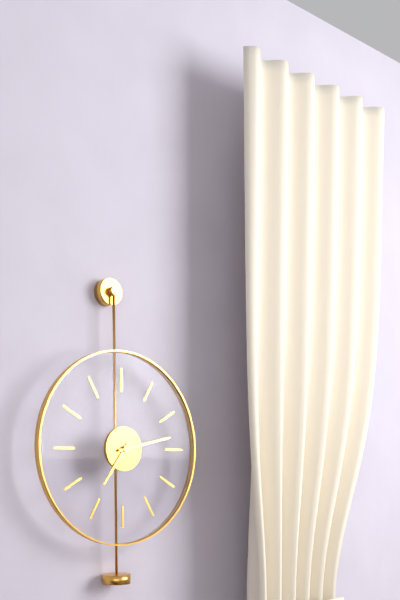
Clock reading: 7h13
